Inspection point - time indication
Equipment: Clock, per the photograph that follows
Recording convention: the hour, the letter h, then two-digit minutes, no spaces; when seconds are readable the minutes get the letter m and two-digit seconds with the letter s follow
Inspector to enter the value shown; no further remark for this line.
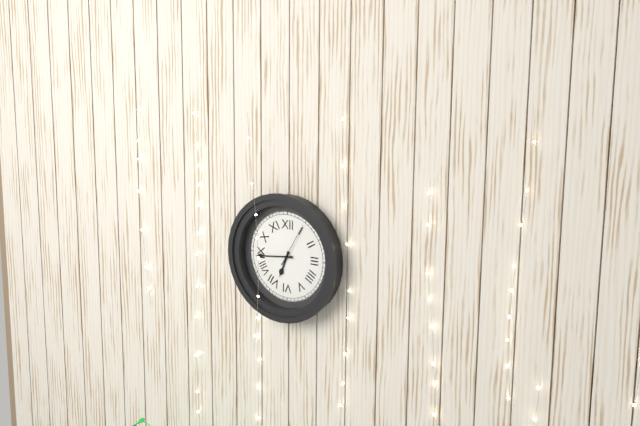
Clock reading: 6h44
